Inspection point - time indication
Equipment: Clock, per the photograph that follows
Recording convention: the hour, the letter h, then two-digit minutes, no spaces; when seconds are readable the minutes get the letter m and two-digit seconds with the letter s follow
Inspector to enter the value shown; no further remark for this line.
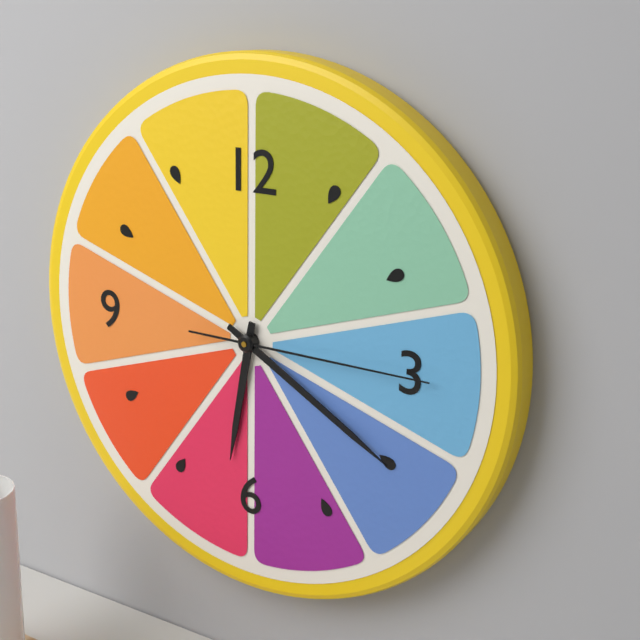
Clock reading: 6h20m15s
